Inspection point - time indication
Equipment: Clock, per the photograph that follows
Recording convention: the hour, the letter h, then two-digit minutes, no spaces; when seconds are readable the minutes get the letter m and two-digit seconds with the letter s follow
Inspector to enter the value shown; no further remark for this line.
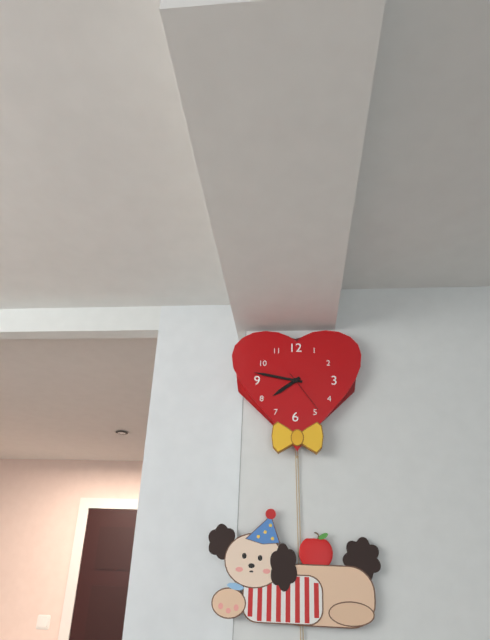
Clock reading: 7h47
